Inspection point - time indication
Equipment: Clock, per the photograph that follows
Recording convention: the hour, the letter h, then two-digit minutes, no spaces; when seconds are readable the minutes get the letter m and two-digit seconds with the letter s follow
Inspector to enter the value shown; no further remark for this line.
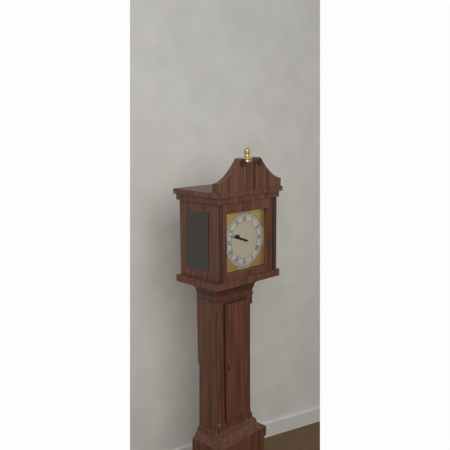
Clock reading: 9h48
